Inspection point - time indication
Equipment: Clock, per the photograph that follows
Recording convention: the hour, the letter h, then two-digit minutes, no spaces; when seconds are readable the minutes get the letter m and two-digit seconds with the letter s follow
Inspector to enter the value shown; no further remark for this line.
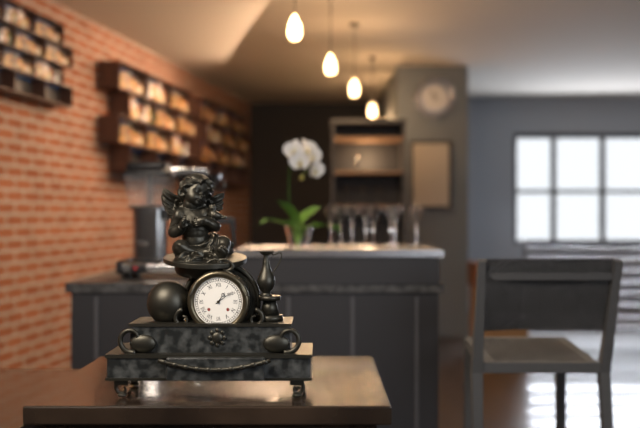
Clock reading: 1h09
